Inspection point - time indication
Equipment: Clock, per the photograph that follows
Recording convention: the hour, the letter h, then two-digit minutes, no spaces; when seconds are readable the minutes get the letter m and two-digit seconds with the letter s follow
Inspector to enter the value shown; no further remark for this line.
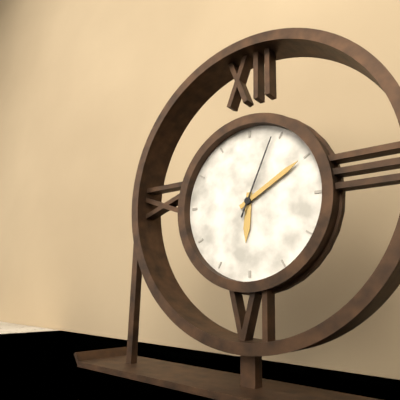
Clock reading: 6h10m04s
